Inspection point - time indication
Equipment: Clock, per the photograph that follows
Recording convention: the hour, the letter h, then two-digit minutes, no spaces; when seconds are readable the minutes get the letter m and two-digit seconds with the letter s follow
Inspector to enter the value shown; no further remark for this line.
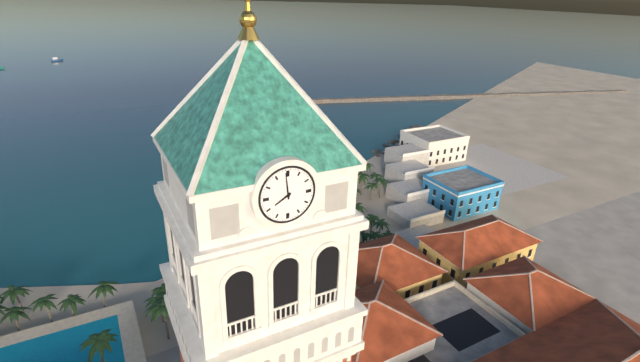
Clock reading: 7h59
